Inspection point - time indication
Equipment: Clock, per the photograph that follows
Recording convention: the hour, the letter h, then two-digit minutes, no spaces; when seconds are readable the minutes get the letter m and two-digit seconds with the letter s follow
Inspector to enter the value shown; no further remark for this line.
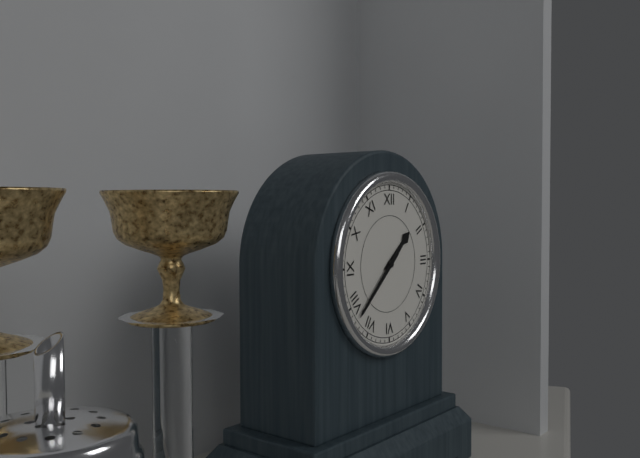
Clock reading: 1h38
